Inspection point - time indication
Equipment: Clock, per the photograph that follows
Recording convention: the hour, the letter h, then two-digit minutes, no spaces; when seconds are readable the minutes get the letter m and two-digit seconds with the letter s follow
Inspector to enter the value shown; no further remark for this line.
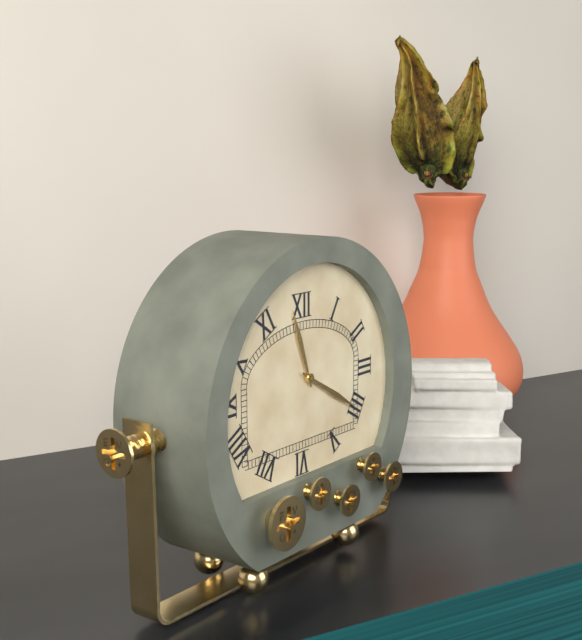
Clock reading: 11h20
